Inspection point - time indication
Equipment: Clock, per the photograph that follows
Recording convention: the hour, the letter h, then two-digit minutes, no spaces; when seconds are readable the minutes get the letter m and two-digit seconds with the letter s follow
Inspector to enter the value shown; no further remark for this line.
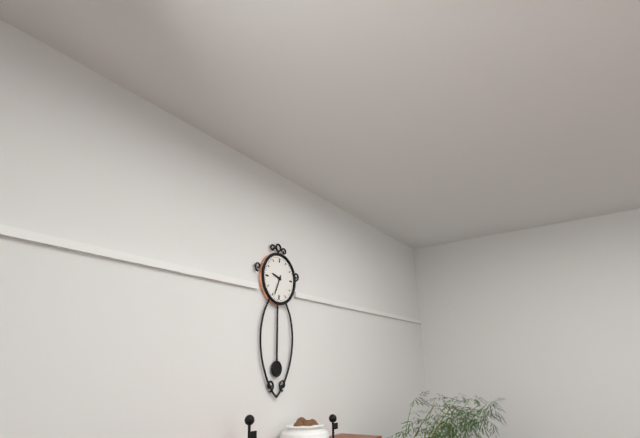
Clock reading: 9h34
